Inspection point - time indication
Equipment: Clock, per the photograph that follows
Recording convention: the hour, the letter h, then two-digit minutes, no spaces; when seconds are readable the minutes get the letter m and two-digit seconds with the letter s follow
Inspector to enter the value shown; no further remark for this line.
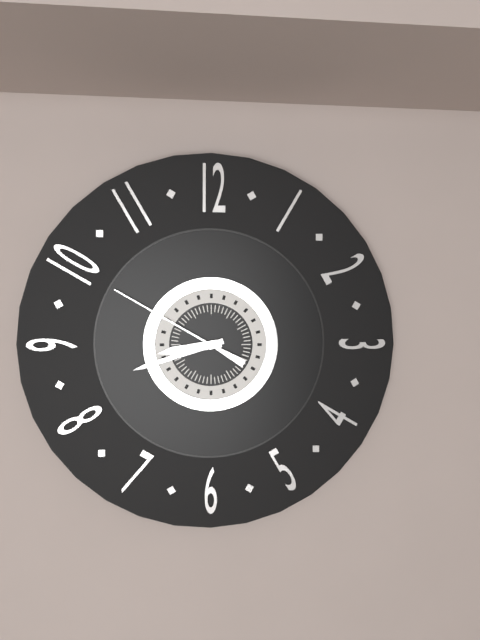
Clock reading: 8h42m50s
